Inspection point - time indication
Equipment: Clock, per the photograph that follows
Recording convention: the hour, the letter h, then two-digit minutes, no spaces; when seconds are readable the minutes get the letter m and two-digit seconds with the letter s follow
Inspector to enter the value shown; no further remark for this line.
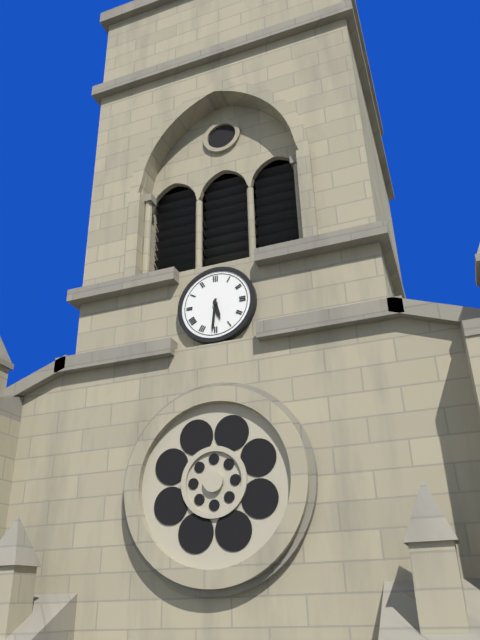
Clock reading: 5h31
